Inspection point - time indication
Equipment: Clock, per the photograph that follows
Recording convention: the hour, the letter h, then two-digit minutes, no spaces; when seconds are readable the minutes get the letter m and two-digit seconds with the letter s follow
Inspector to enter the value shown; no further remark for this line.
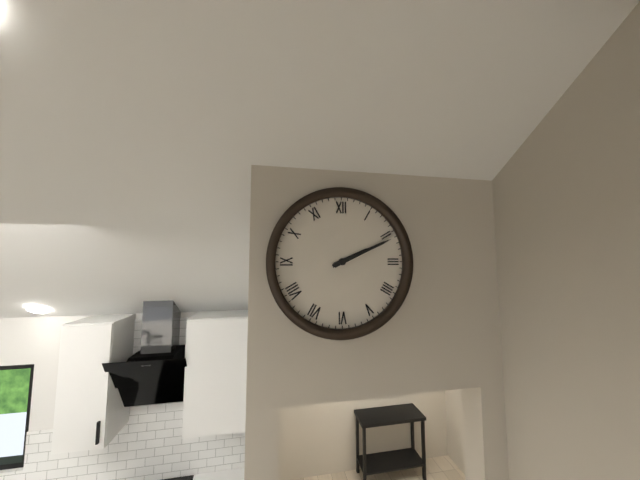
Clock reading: 2h11
